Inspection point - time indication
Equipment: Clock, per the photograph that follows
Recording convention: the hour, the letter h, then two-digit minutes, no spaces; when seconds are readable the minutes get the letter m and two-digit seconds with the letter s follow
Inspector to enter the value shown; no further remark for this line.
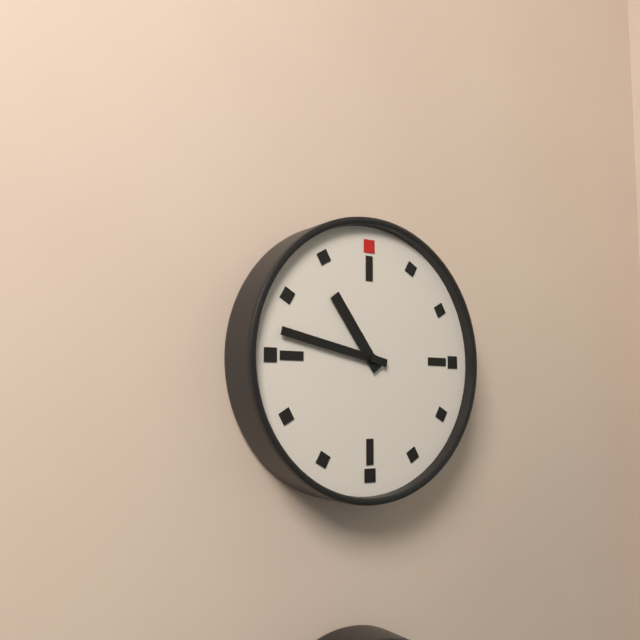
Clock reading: 10h47
